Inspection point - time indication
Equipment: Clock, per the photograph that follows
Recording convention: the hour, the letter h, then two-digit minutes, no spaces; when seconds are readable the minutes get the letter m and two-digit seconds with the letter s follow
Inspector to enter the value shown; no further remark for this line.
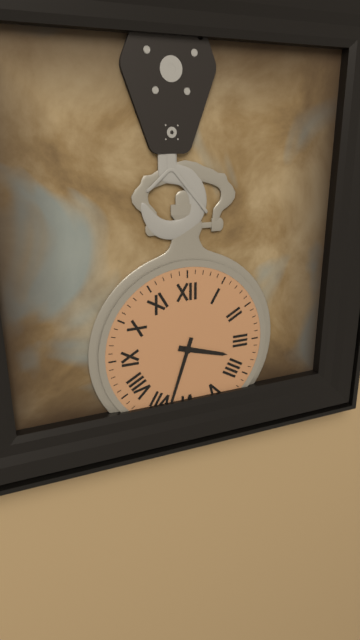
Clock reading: 3h33
